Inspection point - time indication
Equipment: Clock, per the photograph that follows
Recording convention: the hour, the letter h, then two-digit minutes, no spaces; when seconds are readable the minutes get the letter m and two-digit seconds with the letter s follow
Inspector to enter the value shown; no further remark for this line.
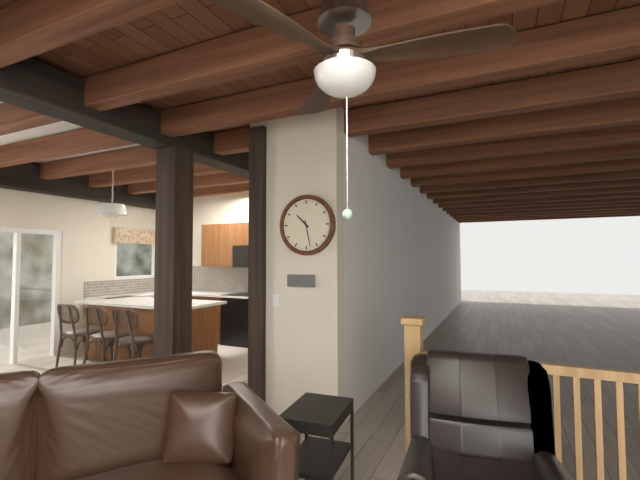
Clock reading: 10h28
